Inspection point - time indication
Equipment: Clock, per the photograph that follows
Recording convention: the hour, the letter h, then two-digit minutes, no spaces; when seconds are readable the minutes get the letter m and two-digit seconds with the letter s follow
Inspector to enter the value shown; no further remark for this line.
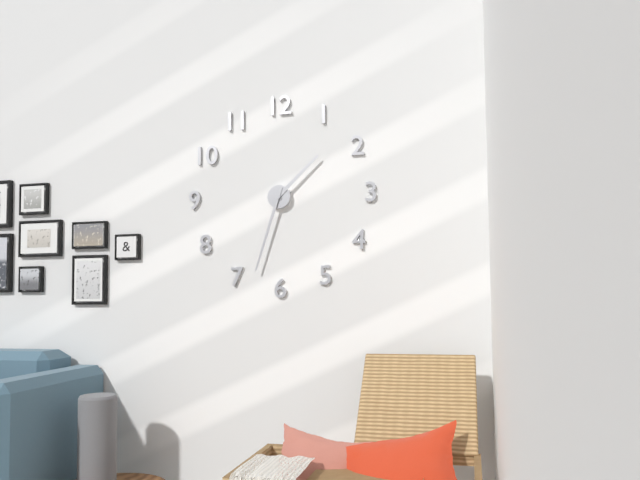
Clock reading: 1h33
